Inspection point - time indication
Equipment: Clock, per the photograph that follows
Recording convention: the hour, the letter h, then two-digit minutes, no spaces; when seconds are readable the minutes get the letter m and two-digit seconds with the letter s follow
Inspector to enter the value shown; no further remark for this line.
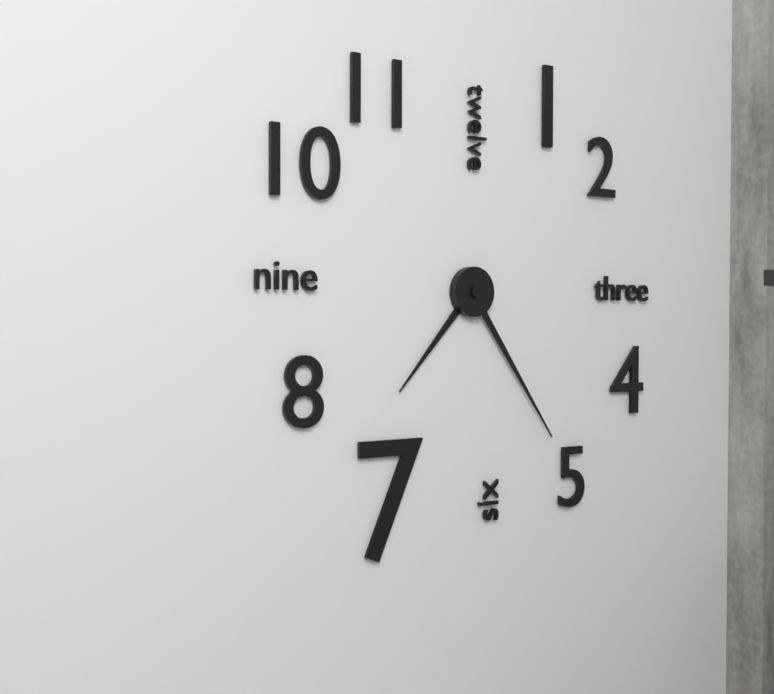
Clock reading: 7h24
